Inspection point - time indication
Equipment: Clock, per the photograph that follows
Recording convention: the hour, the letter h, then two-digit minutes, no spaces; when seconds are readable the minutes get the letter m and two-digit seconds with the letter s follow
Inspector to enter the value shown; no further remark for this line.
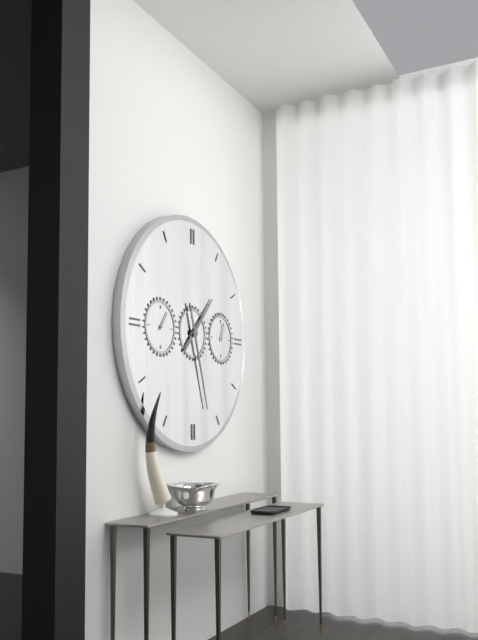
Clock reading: 1h27
